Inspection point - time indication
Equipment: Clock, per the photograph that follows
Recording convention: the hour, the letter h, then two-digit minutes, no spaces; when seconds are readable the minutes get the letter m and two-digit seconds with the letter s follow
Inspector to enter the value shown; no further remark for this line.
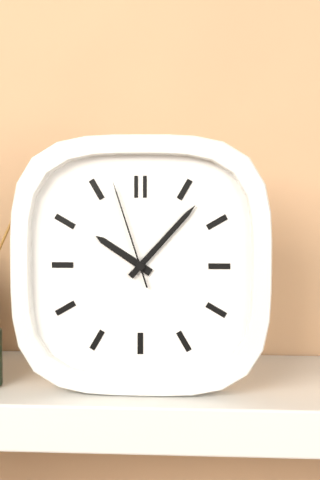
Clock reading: 10h07m57s
